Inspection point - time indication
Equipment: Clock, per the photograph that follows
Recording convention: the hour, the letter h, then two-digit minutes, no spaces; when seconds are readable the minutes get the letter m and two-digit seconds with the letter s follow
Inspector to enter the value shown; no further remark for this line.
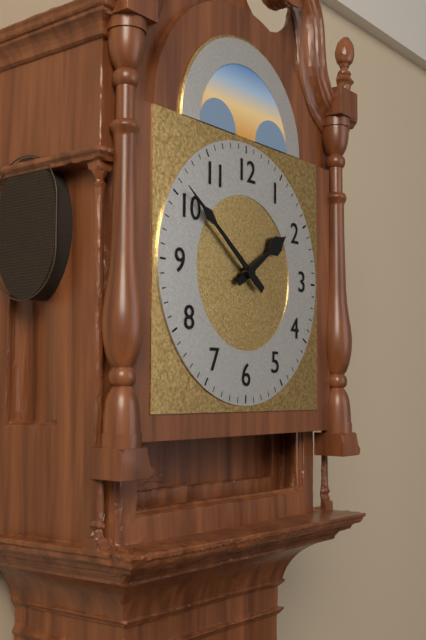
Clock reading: 1h51
